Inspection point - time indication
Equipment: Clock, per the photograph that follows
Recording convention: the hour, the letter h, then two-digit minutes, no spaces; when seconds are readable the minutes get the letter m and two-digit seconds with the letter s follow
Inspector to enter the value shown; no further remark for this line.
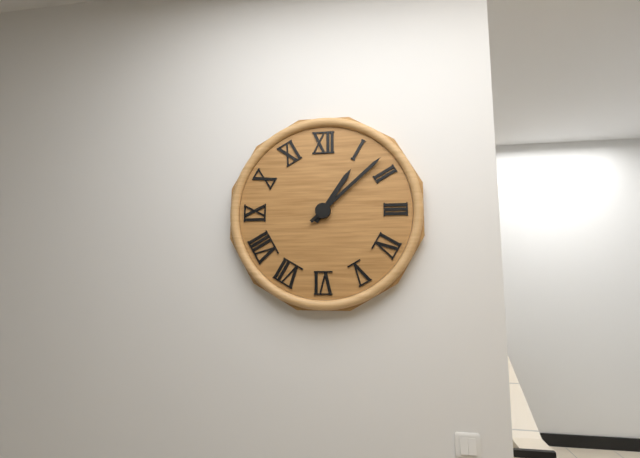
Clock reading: 1h08
